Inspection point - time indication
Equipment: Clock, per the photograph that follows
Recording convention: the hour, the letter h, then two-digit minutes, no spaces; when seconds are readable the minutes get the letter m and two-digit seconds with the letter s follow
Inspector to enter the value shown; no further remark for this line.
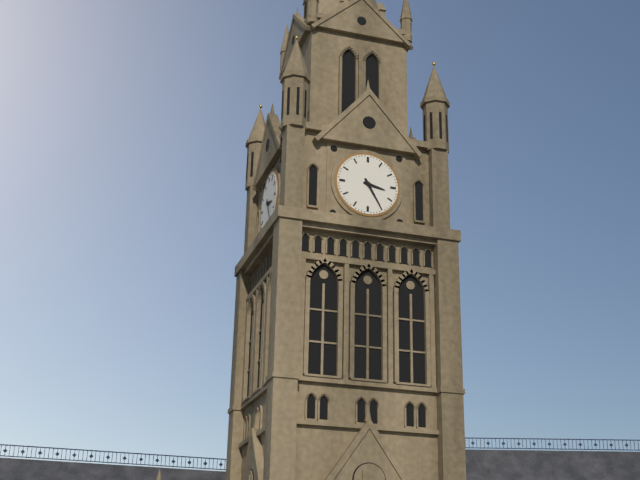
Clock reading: 3h25
